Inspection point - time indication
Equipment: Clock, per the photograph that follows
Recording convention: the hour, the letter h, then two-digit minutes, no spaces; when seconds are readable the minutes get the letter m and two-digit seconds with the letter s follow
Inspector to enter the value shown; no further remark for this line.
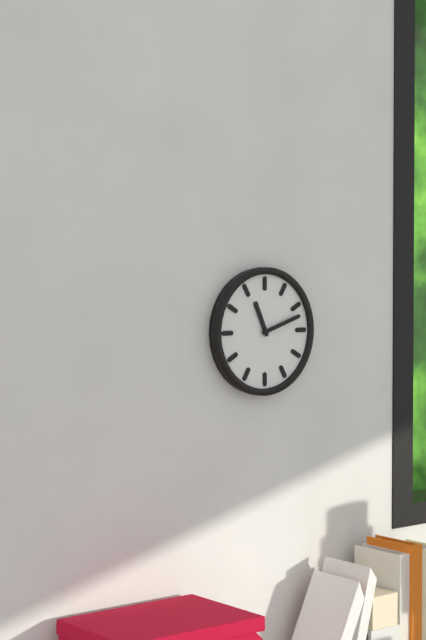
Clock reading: 11h12
